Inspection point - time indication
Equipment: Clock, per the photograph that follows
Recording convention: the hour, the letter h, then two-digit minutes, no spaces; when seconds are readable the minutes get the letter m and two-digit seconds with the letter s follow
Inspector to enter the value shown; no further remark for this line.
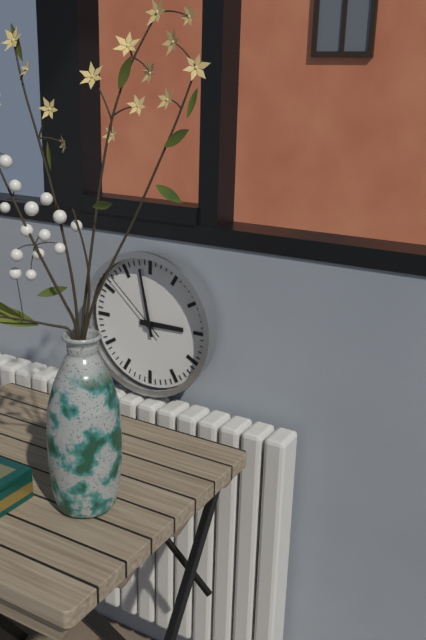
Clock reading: 2h58m52s
